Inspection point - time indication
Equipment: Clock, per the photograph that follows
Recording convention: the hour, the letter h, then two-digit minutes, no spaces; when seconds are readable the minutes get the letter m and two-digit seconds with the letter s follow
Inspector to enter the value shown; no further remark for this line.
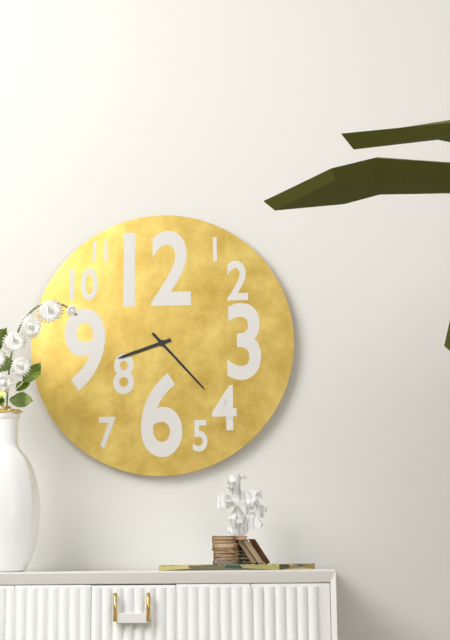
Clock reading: 8h23
